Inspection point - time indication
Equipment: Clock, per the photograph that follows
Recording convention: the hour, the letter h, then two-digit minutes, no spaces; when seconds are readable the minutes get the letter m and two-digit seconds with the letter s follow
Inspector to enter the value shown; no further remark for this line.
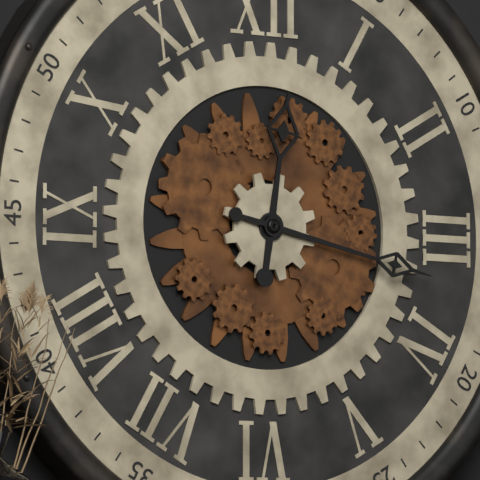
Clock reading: 12h17
